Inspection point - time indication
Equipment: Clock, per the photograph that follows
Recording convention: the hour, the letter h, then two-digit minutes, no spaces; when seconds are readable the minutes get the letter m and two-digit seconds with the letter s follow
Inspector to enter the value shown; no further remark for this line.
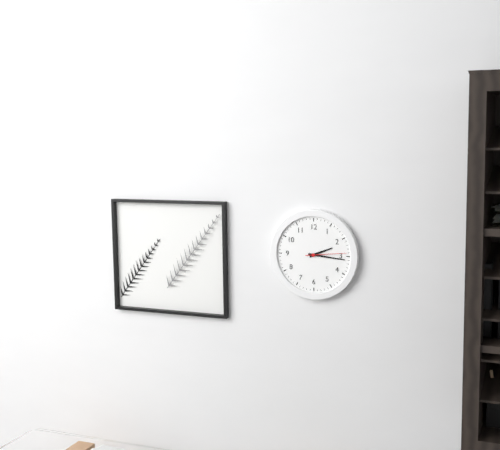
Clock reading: 2h16
